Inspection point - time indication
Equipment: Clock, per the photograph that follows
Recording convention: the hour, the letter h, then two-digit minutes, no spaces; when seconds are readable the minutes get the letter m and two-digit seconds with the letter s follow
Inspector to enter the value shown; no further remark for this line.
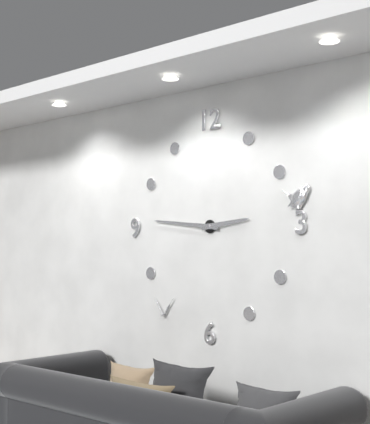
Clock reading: 2h46
